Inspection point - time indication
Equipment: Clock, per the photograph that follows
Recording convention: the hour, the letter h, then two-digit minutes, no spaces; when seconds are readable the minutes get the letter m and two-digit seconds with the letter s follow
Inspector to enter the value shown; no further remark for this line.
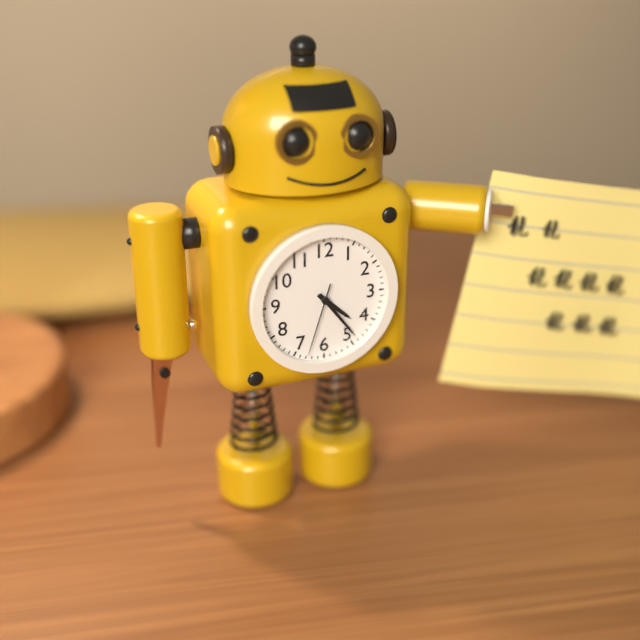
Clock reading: 4h24m33s
